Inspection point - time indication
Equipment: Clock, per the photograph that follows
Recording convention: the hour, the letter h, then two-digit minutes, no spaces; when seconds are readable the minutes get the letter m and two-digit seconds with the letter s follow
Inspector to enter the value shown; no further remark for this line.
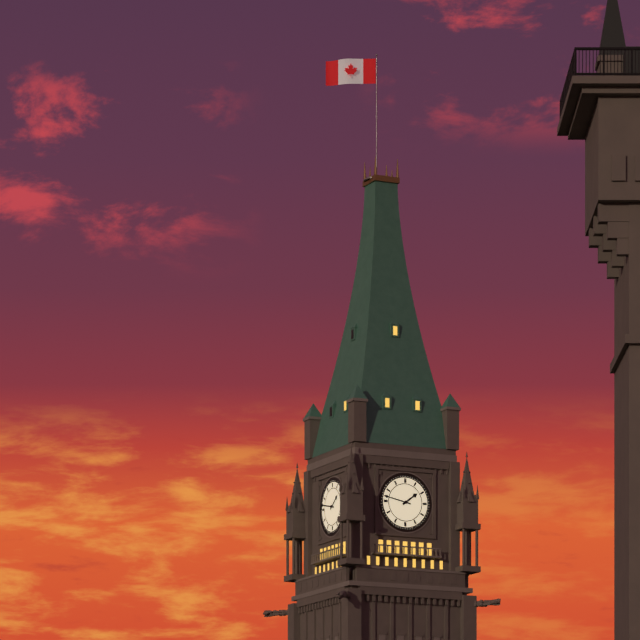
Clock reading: 1h47
